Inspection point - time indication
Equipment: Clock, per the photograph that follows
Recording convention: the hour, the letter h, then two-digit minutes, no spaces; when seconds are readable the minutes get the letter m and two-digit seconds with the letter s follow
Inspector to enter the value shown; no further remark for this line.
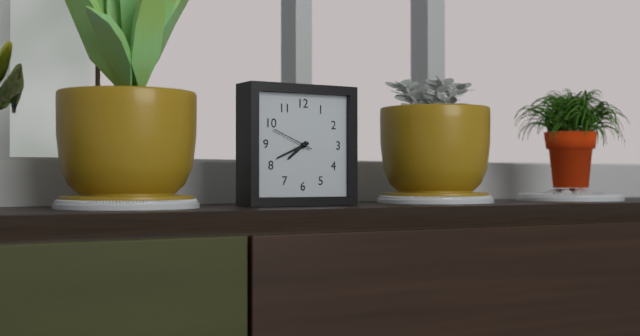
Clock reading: 7h41
